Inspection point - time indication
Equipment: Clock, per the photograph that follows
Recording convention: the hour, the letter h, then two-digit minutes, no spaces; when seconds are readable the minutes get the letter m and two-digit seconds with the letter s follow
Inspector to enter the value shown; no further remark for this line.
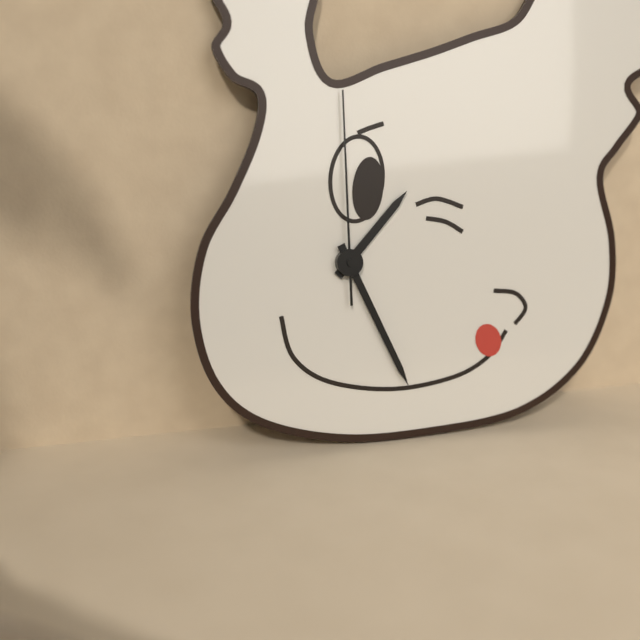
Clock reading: 1h26m00s
